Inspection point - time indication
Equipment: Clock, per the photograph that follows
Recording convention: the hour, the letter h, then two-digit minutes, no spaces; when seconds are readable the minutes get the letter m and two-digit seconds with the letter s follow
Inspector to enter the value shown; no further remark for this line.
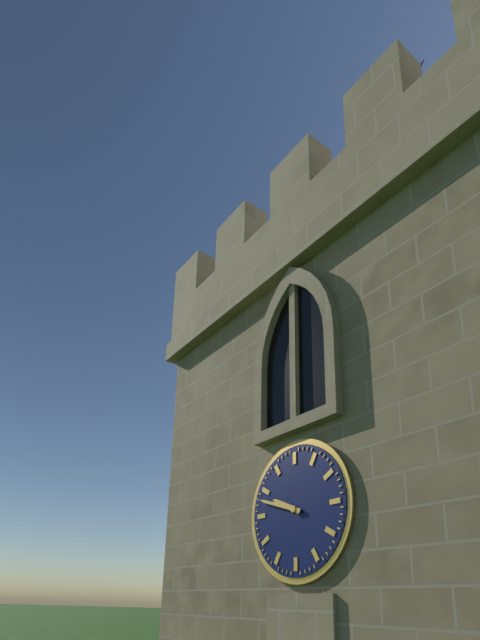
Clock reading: 9h48
